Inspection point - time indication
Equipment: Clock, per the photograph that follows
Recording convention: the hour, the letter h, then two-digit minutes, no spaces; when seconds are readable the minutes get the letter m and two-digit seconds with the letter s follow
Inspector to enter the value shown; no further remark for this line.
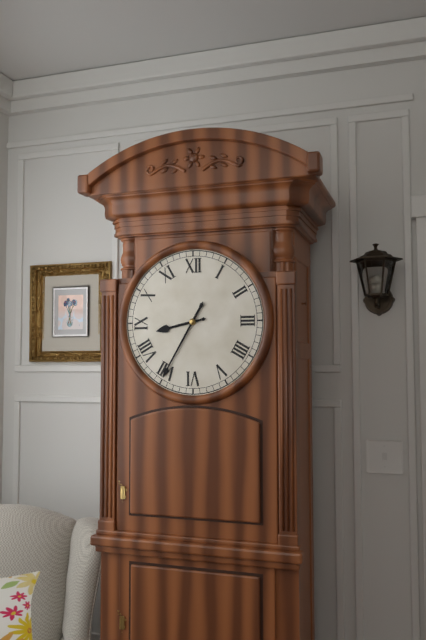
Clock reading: 8h35
